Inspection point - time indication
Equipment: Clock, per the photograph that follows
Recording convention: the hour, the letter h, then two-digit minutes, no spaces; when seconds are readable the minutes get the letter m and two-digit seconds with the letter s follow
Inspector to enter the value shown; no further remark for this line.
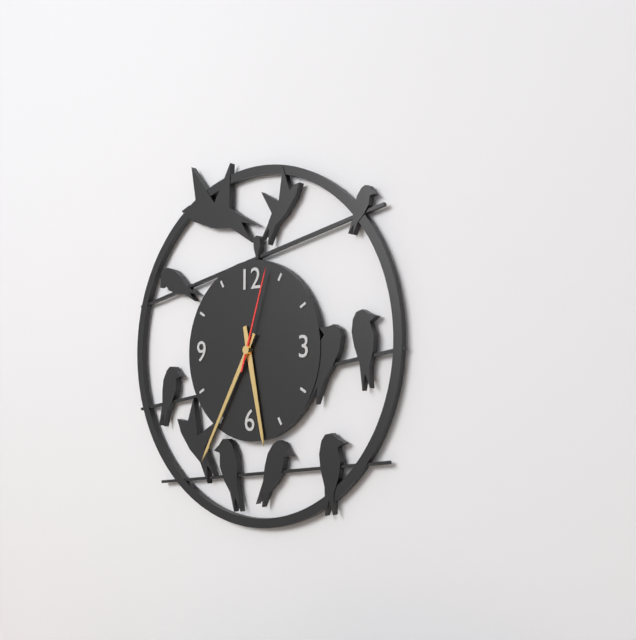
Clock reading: 5h35m03s
